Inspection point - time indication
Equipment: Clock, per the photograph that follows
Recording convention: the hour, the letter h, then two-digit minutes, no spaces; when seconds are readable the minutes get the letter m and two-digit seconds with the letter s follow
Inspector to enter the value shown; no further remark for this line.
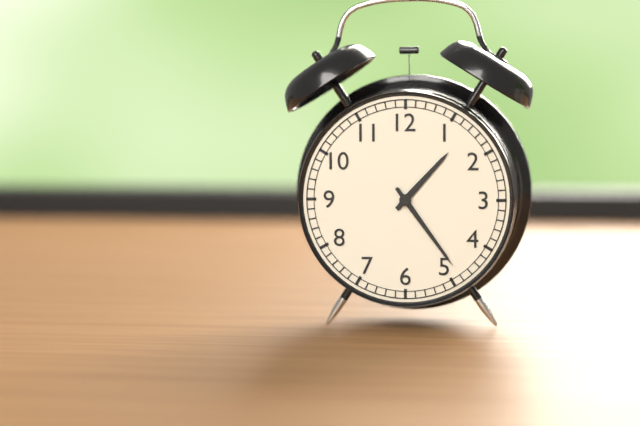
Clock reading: 1h24
